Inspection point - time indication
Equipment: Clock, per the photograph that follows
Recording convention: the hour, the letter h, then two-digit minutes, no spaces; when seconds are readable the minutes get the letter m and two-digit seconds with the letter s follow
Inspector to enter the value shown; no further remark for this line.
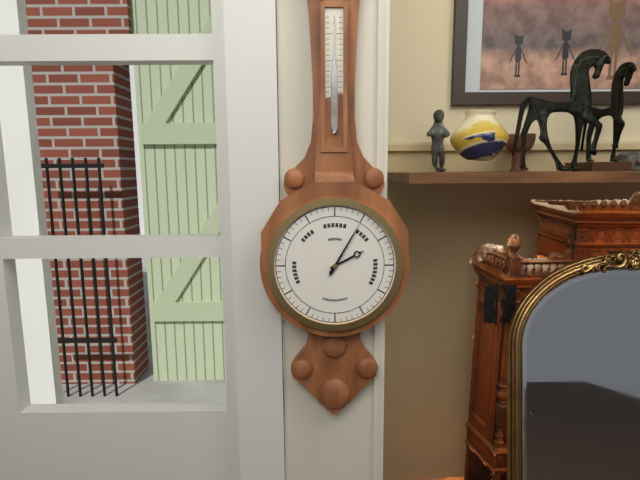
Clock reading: 2h05
